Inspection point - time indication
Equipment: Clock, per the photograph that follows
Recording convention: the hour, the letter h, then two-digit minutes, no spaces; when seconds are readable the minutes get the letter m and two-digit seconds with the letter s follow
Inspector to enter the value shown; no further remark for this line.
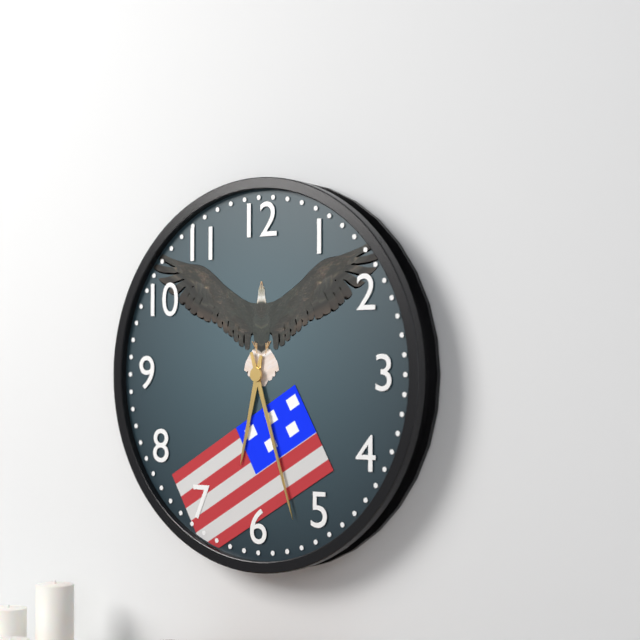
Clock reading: 6h27
